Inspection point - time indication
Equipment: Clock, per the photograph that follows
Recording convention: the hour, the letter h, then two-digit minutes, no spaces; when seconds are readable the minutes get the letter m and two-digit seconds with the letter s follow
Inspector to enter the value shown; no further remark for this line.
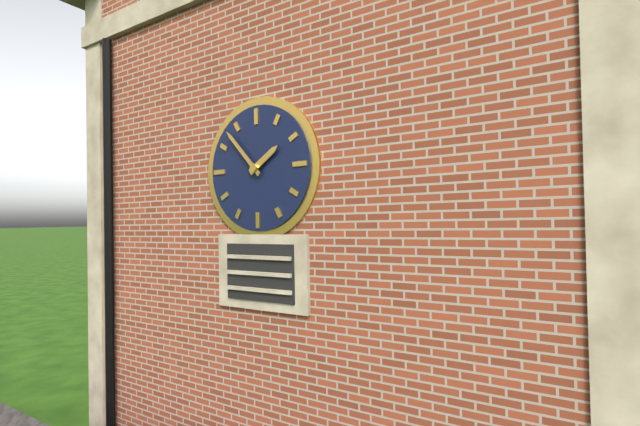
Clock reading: 1h53
